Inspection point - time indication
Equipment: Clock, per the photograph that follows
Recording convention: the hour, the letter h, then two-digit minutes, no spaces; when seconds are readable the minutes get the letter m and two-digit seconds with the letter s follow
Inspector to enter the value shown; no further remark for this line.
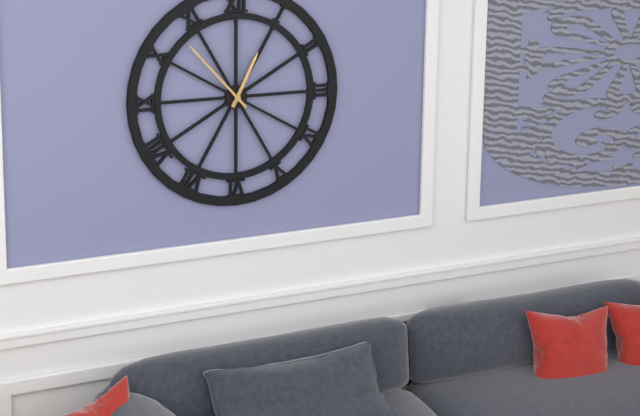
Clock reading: 12h53
